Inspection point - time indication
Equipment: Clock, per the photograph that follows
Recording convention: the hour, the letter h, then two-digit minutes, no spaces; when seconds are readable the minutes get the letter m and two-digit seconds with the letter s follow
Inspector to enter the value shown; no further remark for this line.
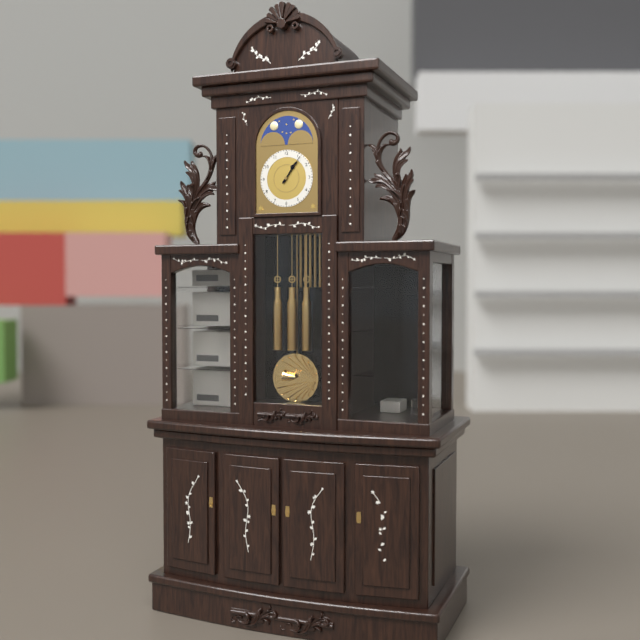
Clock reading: 1h06
